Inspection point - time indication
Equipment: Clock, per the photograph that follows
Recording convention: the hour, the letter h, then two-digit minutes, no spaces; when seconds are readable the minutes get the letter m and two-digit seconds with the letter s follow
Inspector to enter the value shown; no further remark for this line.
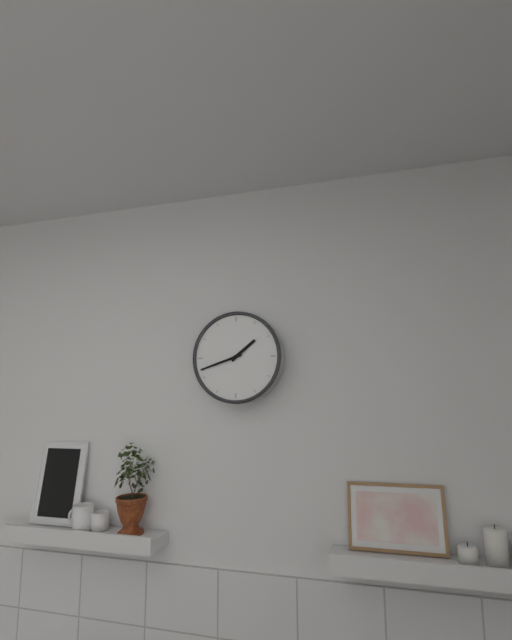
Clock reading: 1h42
